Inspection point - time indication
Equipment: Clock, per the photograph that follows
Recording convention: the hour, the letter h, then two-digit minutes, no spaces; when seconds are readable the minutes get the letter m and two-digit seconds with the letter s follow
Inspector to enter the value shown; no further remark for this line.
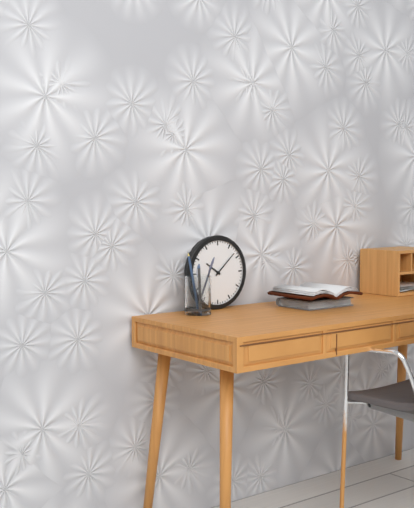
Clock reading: 10h08
